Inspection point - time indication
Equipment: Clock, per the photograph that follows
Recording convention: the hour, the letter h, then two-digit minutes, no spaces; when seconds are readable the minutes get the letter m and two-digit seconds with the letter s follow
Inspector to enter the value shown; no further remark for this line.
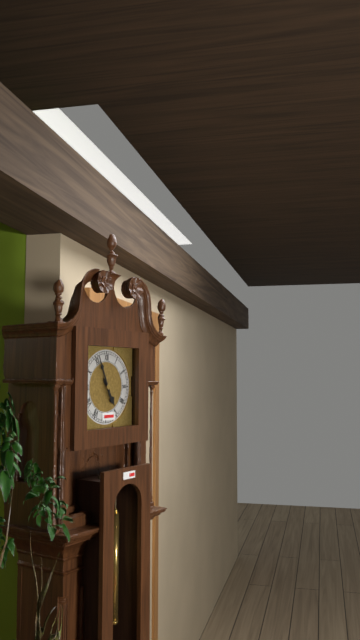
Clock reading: 4h56
